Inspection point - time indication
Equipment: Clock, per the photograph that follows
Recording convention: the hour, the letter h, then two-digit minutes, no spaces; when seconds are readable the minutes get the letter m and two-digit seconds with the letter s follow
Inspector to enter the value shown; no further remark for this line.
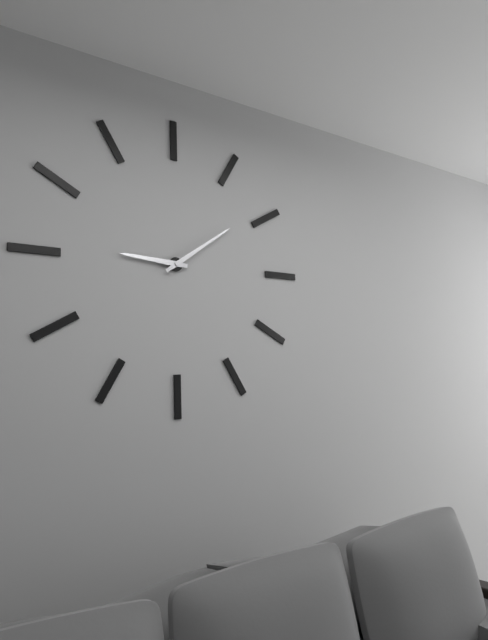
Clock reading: 9h09
